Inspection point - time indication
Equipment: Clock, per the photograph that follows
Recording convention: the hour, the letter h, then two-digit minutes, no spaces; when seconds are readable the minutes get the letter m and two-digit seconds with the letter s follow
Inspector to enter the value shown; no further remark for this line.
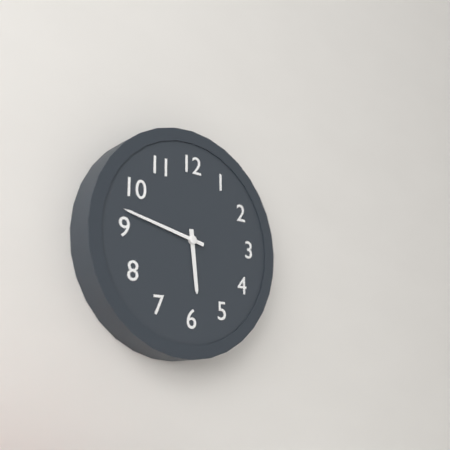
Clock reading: 5h47
